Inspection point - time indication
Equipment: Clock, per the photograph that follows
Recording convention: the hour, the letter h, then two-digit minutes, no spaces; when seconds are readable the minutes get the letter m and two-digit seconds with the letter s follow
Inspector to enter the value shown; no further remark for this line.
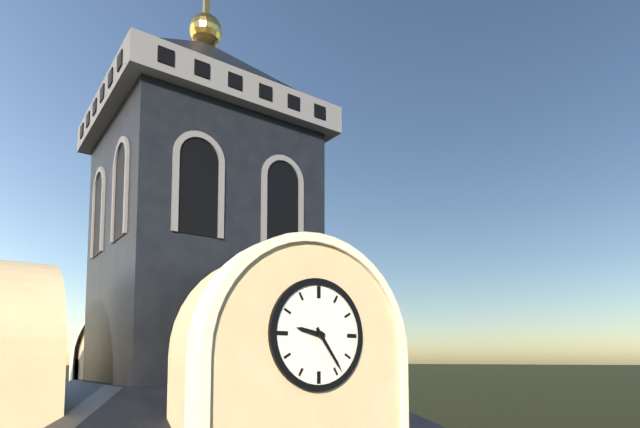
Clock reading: 9h24
